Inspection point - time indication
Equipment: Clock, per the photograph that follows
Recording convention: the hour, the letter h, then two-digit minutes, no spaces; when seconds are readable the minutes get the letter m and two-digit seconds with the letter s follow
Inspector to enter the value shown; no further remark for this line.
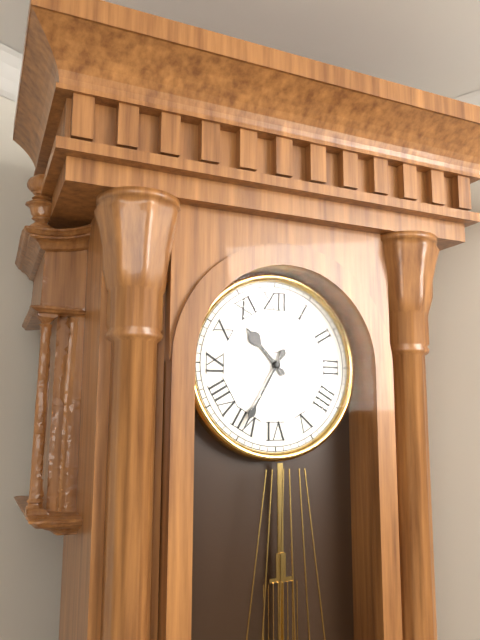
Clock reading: 10h35
